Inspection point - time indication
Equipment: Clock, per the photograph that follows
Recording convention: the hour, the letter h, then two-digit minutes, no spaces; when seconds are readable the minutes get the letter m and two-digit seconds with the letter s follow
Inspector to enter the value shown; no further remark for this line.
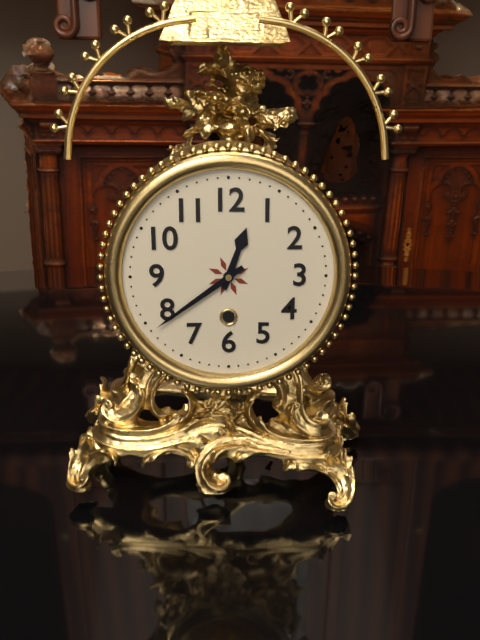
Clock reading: 12h39
